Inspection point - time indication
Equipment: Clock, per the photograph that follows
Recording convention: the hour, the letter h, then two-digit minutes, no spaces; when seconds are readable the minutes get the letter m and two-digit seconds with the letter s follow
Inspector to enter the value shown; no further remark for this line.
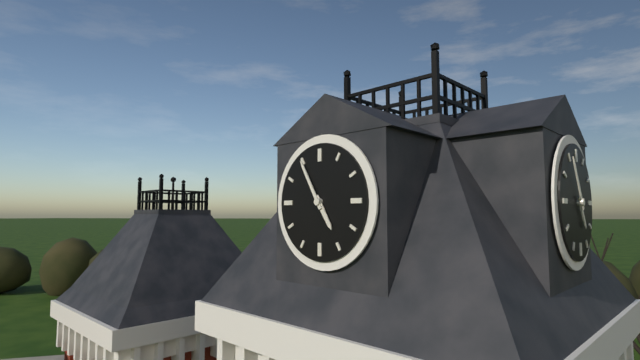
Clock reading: 4h55
